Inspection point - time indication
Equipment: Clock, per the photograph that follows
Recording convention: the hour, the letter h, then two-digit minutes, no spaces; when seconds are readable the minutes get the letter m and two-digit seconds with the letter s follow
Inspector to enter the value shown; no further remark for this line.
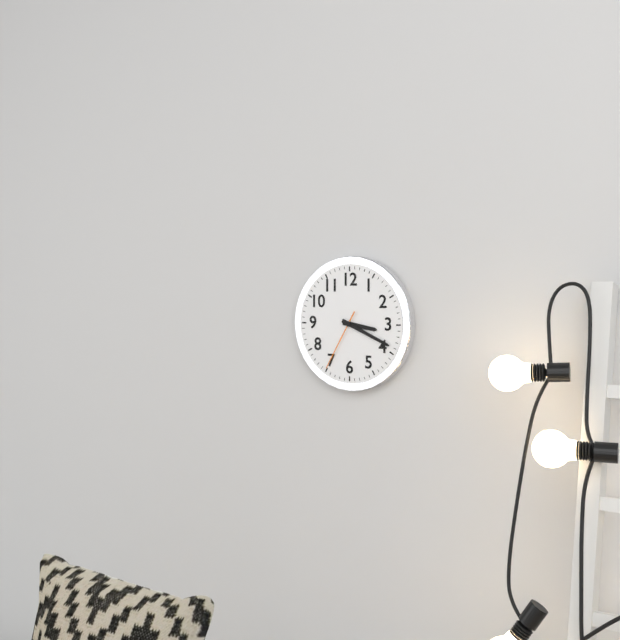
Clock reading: 3h19m35s
